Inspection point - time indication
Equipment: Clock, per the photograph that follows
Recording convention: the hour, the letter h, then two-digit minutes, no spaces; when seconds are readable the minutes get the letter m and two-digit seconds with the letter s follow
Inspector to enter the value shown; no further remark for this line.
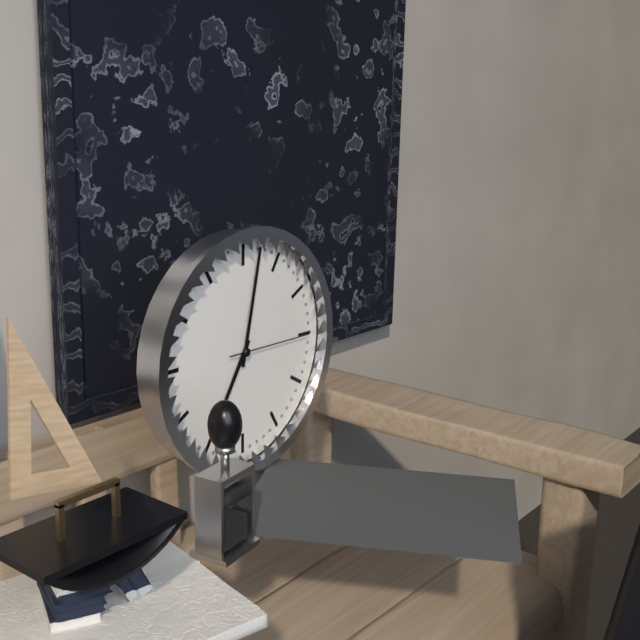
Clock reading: 7h02m15s
